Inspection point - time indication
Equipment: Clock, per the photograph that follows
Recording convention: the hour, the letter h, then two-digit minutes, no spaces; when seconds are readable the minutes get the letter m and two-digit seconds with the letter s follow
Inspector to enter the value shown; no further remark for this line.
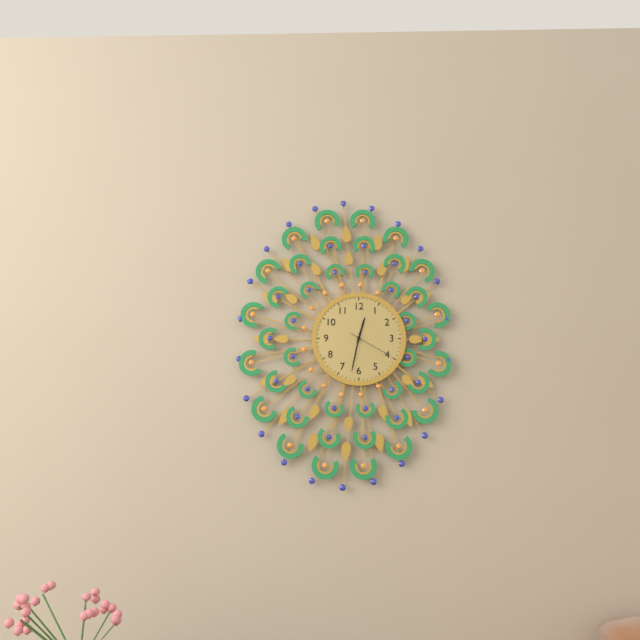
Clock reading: 12h32
